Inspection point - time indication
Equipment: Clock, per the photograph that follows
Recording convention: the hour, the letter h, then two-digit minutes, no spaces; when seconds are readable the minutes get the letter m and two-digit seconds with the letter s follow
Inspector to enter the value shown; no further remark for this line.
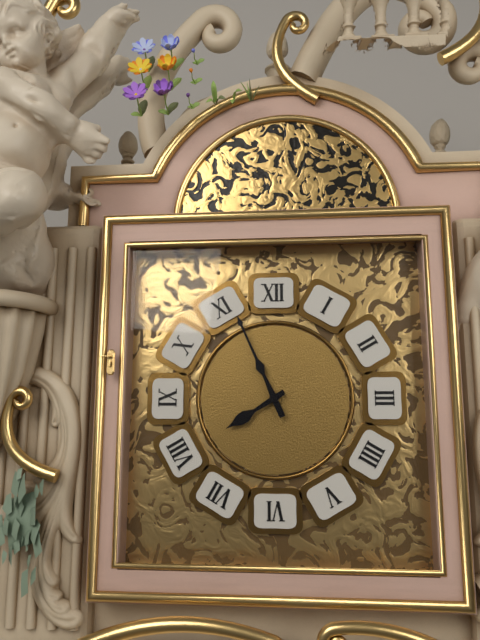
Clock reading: 7h56
